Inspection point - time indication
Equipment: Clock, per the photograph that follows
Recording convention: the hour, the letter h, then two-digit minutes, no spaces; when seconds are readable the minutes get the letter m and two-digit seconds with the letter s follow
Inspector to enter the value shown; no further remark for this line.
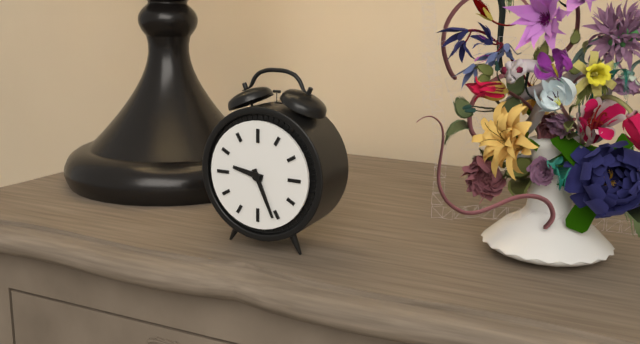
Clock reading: 9h26
